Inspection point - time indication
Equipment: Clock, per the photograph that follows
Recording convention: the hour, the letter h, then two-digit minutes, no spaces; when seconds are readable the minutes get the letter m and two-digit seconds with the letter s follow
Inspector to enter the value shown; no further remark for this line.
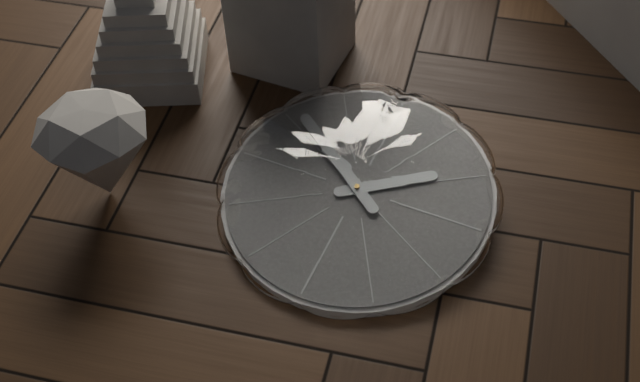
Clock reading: 1h51
